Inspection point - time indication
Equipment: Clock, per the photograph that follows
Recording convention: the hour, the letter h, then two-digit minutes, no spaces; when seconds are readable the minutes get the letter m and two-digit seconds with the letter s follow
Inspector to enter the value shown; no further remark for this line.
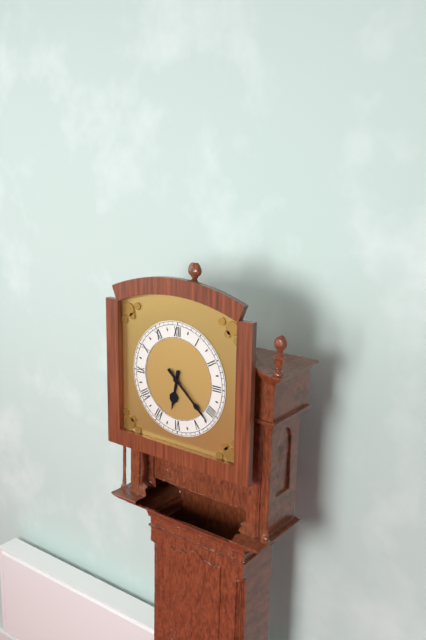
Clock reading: 6h22
